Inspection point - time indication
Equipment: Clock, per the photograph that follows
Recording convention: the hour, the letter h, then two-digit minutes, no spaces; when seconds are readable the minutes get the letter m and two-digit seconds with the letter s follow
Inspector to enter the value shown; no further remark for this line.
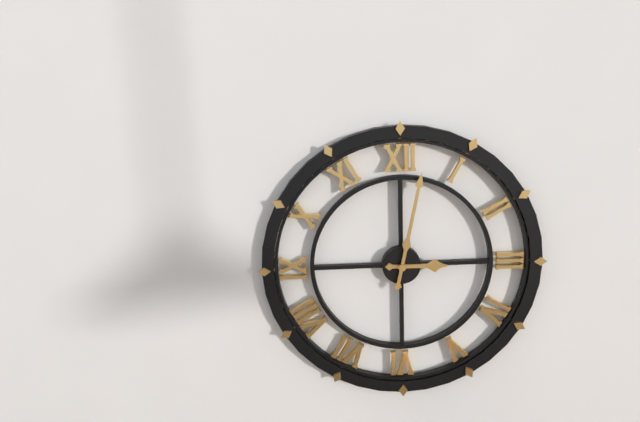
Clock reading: 3h02
